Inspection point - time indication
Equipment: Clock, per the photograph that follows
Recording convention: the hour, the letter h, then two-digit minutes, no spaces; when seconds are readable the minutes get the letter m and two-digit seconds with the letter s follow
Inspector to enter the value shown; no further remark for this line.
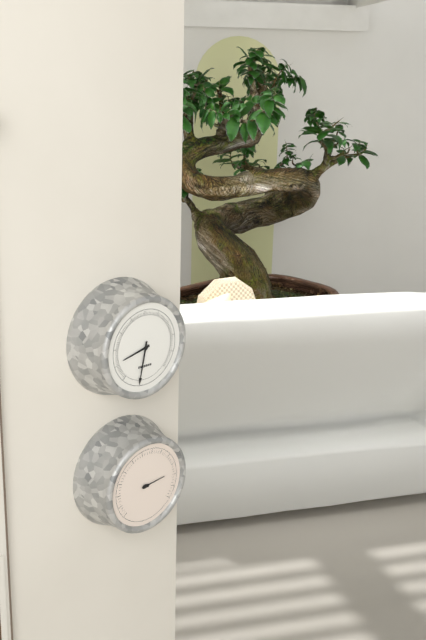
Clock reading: 8h32
